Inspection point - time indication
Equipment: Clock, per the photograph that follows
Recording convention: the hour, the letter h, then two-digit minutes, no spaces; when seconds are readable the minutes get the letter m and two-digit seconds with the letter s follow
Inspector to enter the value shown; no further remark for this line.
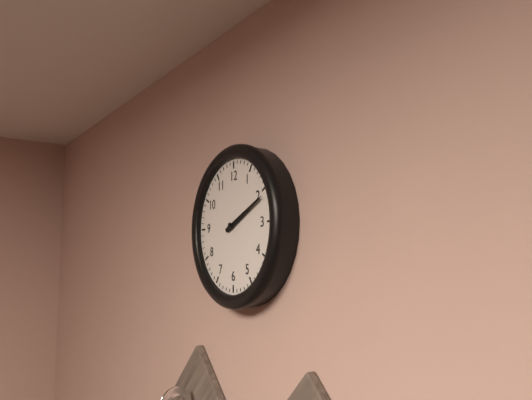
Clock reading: 2h11
